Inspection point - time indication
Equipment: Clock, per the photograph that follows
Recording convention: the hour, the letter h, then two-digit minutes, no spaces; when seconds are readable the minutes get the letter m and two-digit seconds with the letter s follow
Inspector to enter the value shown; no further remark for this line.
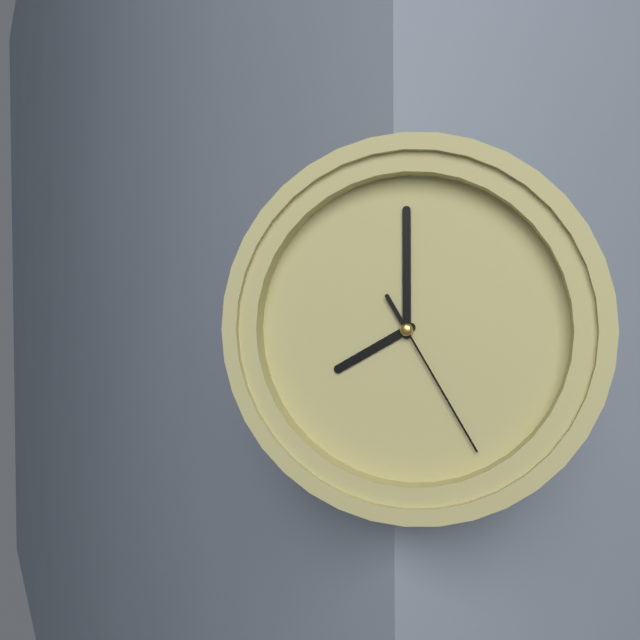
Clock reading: 8h00m25s
